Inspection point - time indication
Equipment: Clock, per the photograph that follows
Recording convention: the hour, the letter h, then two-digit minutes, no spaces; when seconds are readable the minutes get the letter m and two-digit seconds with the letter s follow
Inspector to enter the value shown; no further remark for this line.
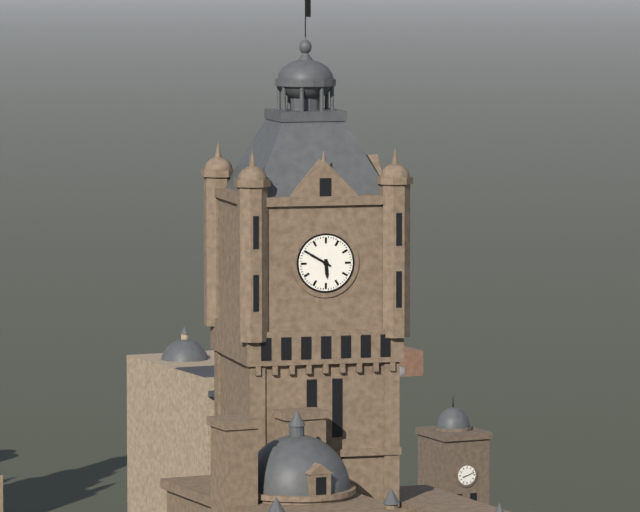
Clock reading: 5h50
